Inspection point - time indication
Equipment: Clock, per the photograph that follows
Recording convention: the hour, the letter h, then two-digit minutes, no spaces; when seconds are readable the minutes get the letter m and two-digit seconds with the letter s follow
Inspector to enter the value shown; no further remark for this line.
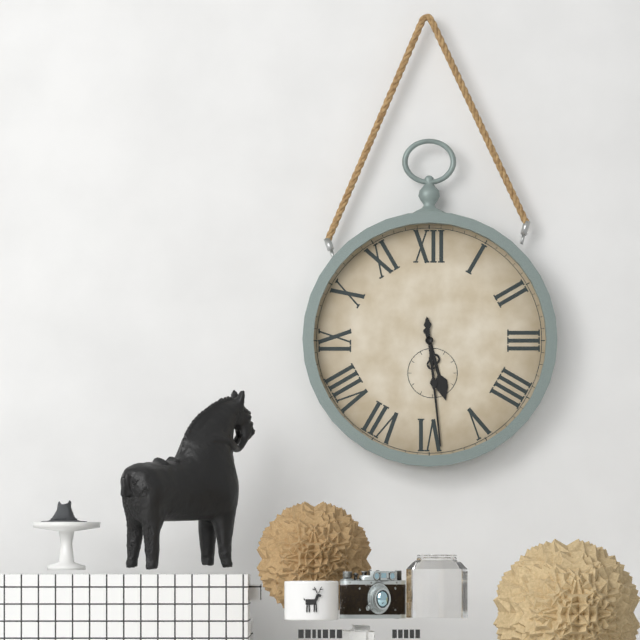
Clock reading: 5h29
